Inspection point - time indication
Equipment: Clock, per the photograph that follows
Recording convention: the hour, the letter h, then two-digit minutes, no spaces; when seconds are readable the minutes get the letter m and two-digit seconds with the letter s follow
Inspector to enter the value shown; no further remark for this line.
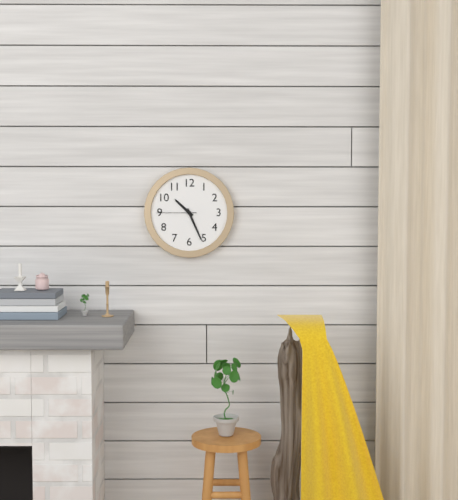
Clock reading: 10h26
